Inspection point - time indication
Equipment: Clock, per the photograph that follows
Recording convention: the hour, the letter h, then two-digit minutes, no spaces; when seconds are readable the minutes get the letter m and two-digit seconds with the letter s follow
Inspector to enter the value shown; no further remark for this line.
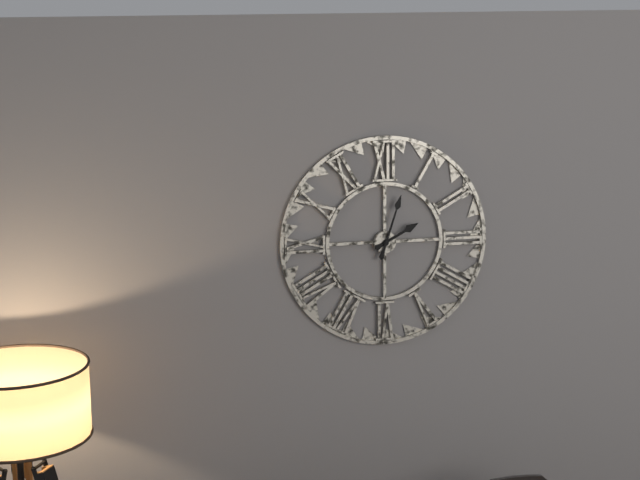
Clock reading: 2h03
